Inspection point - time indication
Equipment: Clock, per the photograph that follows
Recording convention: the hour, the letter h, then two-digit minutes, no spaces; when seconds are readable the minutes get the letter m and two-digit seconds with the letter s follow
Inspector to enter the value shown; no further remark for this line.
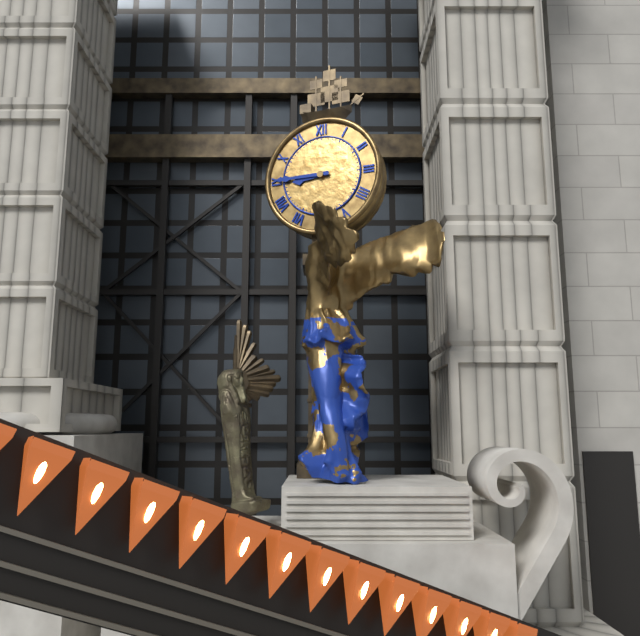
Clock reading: 8h45
